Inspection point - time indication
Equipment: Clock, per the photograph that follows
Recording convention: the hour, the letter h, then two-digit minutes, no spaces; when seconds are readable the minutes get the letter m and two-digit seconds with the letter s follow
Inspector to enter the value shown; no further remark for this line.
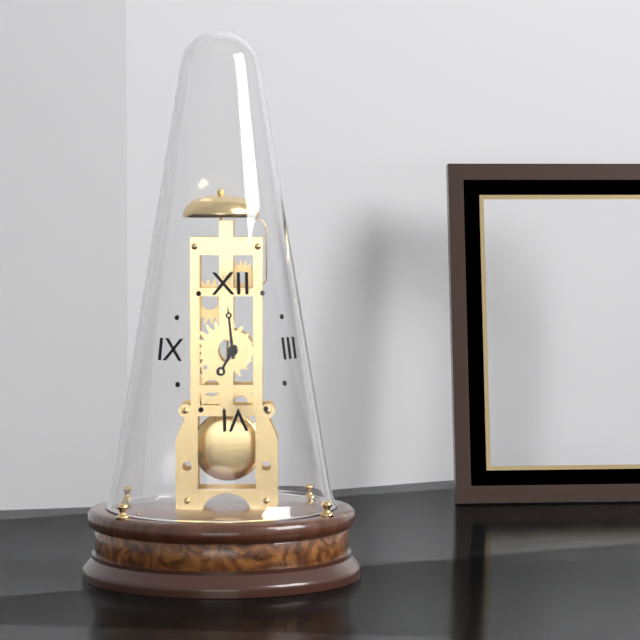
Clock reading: 6h59
